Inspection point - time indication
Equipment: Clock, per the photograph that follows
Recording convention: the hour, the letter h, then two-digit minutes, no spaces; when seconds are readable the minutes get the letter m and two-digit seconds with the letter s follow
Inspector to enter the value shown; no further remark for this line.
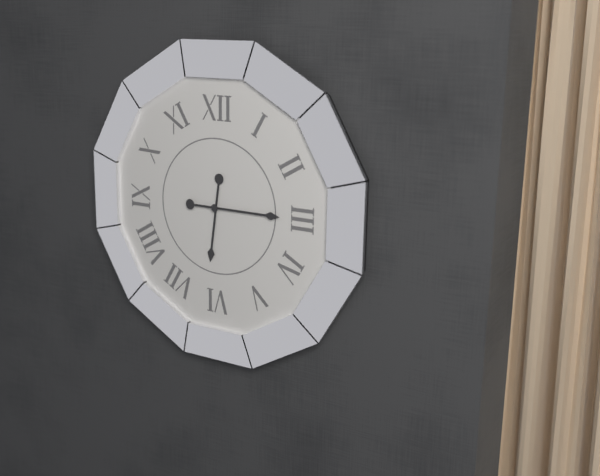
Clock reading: 6h15
